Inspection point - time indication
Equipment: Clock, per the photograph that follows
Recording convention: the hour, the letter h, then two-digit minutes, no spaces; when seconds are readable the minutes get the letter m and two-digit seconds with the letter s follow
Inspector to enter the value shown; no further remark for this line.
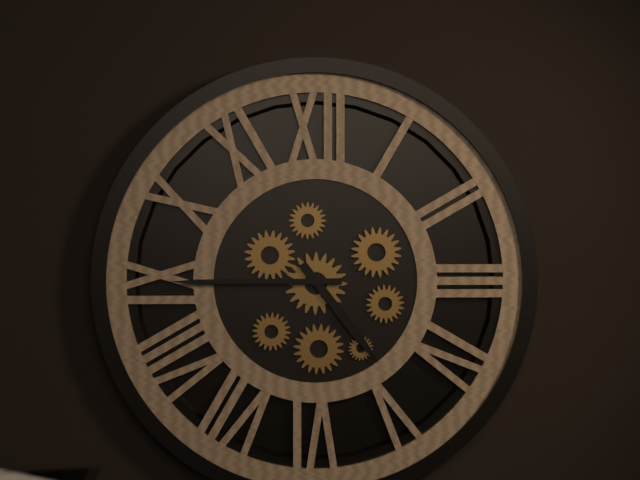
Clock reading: 4h45
